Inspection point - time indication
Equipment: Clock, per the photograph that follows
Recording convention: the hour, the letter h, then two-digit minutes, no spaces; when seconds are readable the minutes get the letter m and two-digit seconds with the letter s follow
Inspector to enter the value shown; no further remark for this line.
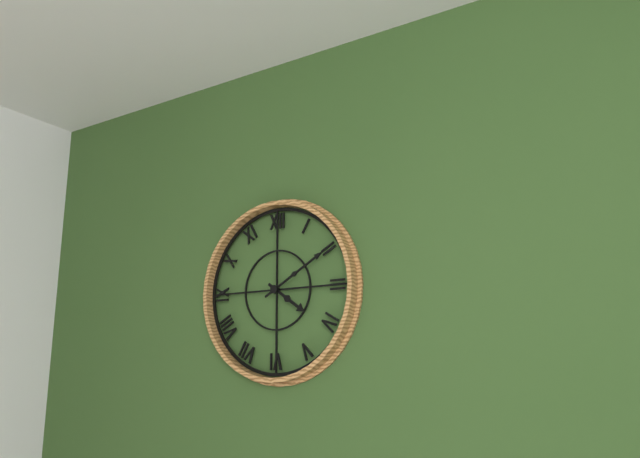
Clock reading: 4h10
